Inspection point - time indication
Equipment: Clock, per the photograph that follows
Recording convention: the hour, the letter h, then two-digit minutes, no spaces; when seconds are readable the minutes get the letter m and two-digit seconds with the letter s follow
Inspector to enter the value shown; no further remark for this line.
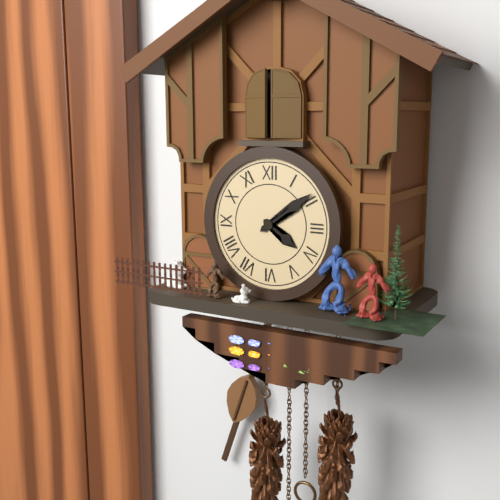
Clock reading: 4h09
